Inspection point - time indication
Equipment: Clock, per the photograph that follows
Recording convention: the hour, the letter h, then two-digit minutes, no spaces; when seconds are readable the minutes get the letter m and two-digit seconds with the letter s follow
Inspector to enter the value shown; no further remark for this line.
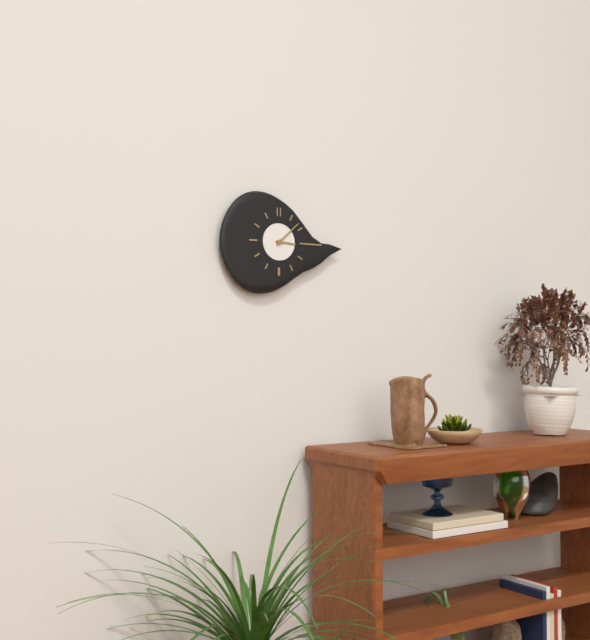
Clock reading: 3h08
